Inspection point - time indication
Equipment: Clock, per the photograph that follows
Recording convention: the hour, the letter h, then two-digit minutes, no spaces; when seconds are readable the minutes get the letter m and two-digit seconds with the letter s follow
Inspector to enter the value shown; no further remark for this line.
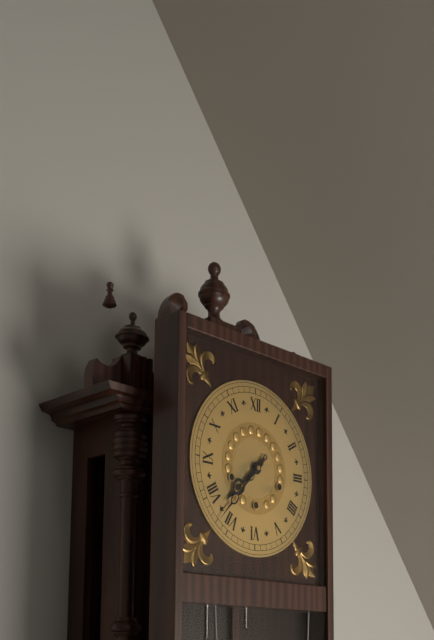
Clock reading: 7h37
